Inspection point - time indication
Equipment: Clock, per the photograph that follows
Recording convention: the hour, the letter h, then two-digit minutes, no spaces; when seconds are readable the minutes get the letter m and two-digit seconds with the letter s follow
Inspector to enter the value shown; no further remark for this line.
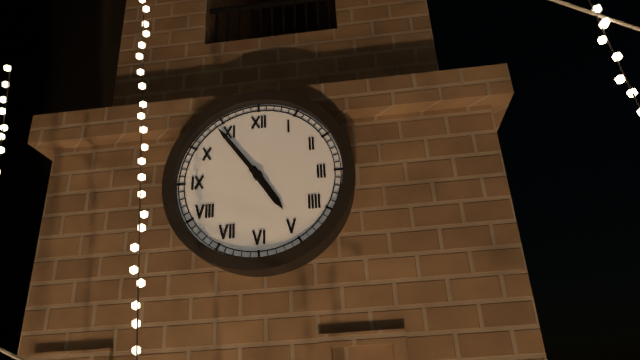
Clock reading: 4h54
